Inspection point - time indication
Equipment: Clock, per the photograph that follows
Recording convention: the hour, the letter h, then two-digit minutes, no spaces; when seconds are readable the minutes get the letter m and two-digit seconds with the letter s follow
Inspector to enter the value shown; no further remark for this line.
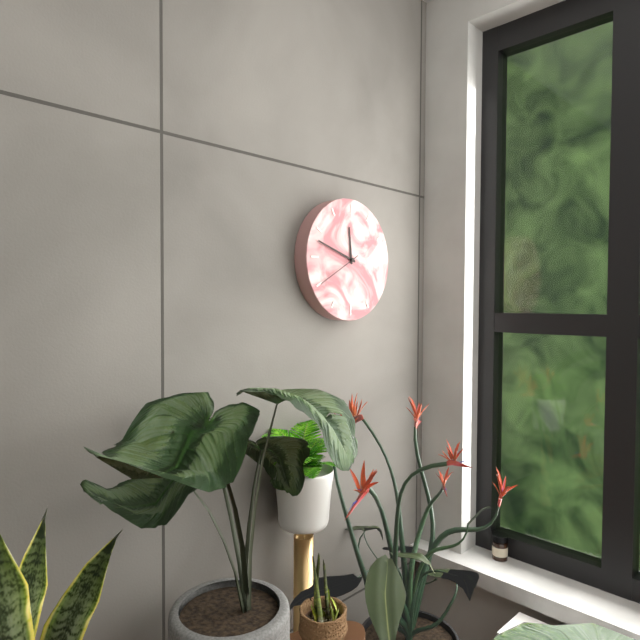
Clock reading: 11h48
